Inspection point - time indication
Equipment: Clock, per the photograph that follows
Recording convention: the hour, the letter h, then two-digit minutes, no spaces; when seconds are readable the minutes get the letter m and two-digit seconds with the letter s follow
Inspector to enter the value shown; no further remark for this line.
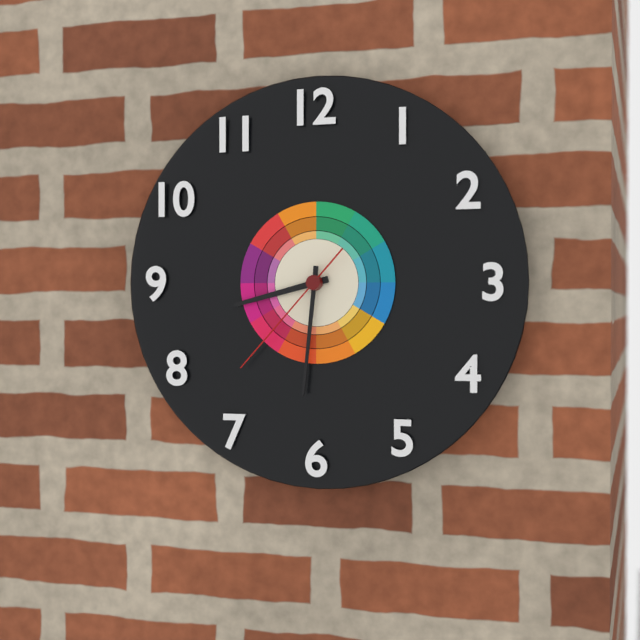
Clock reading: 8h31m37s
